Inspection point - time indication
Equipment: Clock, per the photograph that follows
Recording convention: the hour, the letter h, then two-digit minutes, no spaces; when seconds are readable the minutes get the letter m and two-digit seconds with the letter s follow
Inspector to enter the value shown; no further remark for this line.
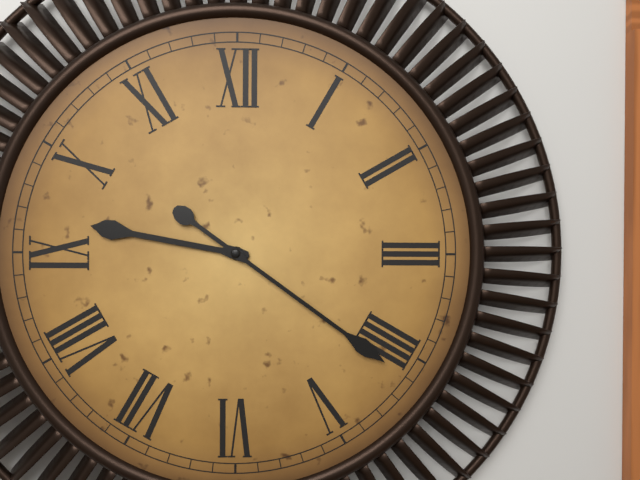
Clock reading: 9h21
